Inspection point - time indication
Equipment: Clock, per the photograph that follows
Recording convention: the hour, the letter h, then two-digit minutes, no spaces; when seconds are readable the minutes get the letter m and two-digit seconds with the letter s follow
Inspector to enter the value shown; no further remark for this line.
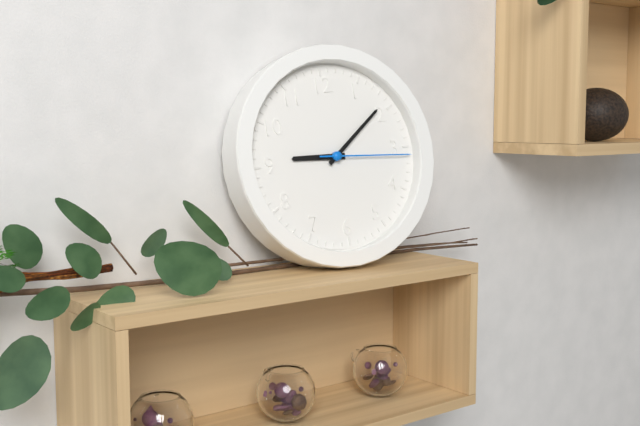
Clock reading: 9h09m16s
